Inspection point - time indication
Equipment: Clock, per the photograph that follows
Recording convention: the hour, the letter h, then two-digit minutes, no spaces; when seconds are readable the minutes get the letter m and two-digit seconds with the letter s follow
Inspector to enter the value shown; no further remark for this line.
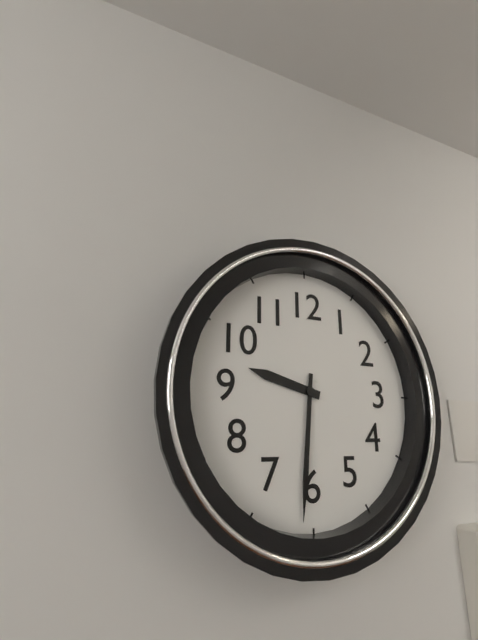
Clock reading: 9h31
